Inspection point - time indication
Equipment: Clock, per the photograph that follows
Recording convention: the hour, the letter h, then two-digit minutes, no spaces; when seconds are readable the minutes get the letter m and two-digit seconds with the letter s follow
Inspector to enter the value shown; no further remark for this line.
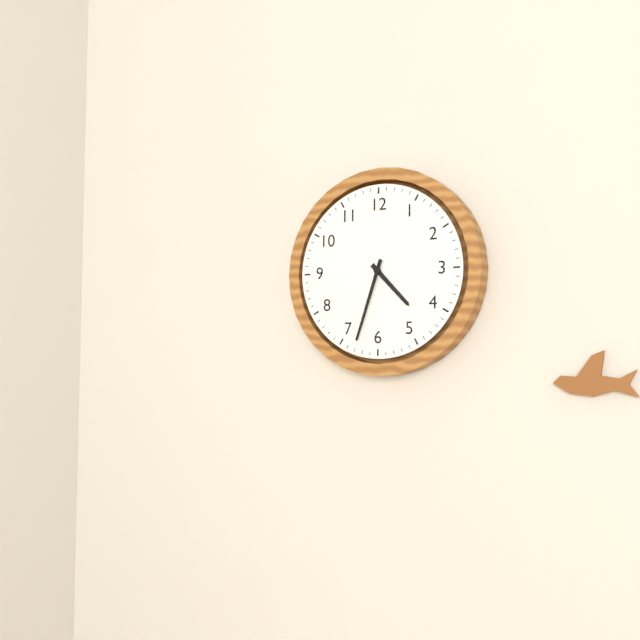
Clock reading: 4h33
